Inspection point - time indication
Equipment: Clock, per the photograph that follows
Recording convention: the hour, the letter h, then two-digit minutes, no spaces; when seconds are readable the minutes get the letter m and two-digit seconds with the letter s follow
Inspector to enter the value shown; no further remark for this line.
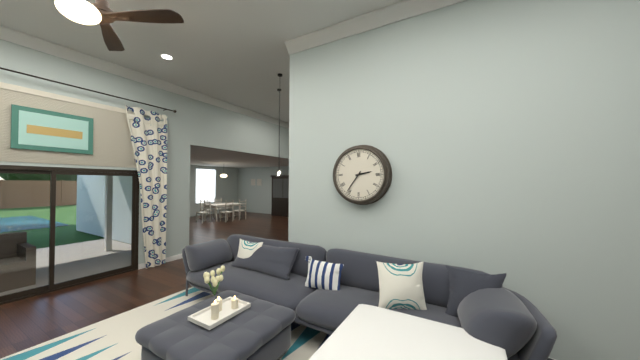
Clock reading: 2h36
